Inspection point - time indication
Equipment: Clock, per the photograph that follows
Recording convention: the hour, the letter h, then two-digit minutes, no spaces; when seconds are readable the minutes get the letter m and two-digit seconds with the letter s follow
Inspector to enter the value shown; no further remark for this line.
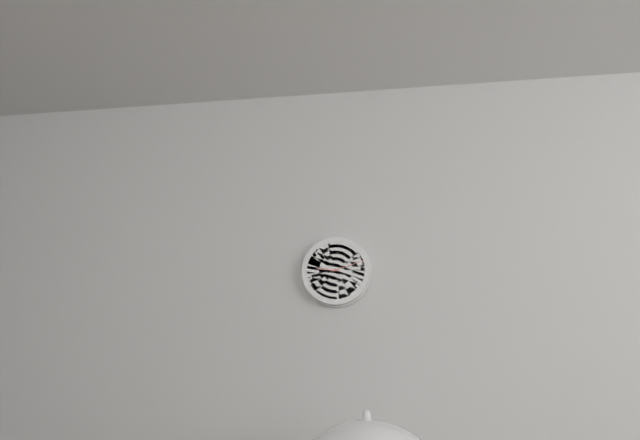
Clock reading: 9h12
